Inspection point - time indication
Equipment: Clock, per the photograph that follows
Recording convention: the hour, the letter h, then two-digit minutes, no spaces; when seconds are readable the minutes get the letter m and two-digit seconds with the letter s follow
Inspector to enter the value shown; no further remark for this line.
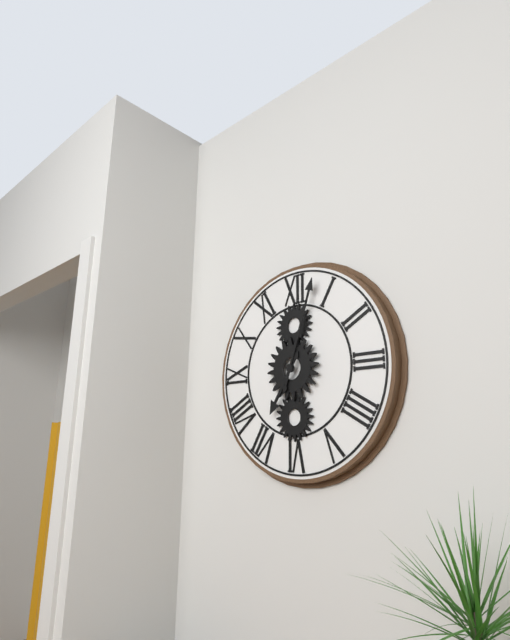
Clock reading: 7h03
